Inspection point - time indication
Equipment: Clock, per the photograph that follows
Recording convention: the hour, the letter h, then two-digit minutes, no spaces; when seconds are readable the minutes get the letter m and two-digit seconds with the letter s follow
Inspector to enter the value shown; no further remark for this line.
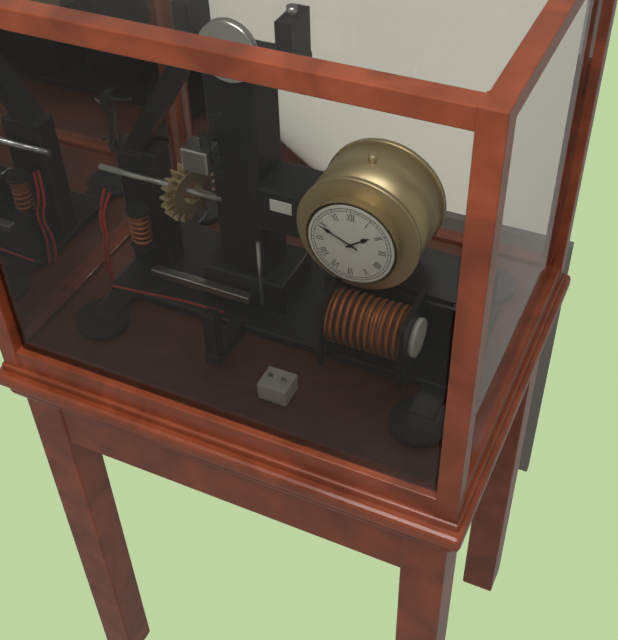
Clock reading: 1h49
